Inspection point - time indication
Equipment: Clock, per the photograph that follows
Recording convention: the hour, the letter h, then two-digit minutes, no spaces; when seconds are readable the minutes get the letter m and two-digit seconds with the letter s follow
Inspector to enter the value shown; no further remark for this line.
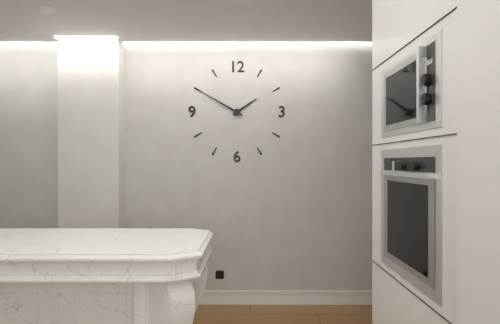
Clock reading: 1h50
